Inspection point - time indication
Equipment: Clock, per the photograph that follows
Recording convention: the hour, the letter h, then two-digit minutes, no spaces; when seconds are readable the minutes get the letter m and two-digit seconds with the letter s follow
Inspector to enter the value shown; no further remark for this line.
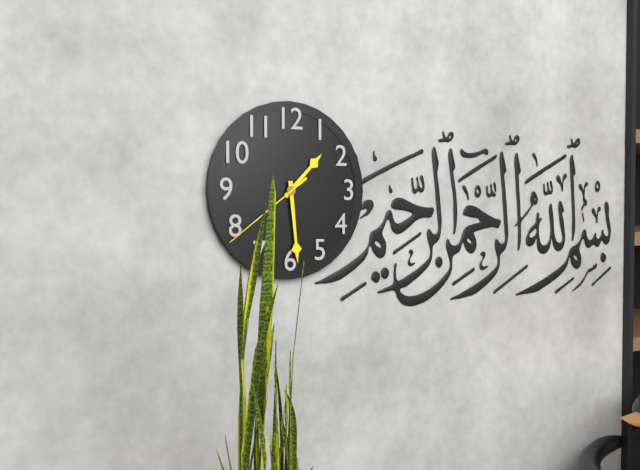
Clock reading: 1h29m39s
